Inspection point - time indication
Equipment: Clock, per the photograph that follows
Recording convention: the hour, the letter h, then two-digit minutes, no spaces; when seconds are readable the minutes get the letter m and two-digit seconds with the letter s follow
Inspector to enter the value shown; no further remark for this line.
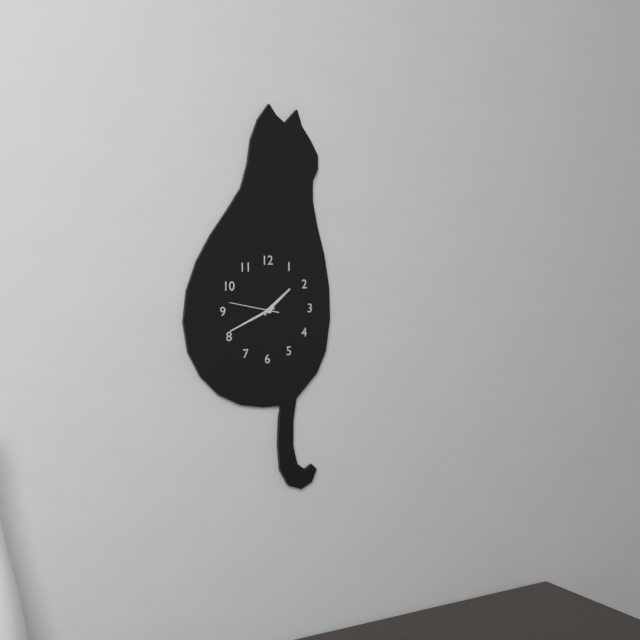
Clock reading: 1h41m47s
